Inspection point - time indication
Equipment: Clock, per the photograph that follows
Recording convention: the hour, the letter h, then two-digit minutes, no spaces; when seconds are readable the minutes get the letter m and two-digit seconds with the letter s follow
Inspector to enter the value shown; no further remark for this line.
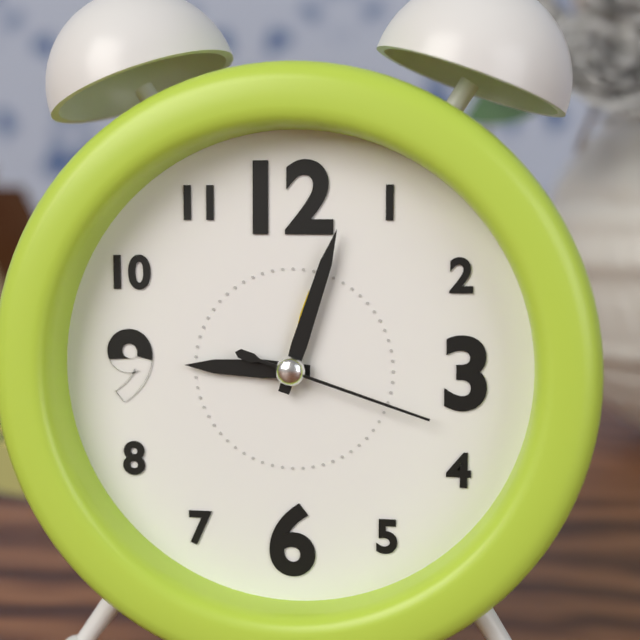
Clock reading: 9h03m18s
